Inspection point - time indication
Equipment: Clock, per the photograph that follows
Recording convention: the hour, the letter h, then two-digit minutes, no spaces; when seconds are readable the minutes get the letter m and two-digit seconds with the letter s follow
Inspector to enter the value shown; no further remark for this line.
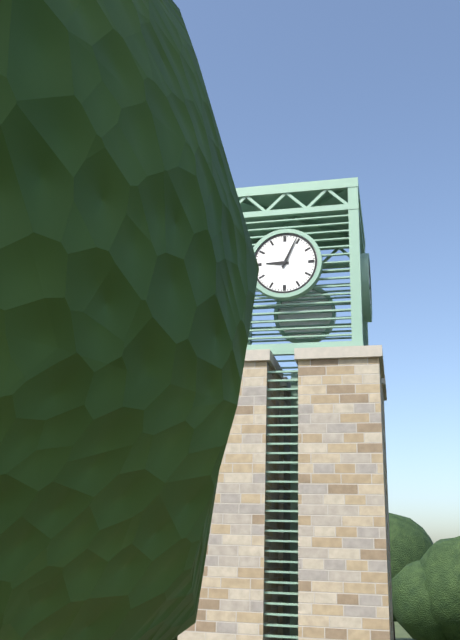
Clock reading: 9h04
